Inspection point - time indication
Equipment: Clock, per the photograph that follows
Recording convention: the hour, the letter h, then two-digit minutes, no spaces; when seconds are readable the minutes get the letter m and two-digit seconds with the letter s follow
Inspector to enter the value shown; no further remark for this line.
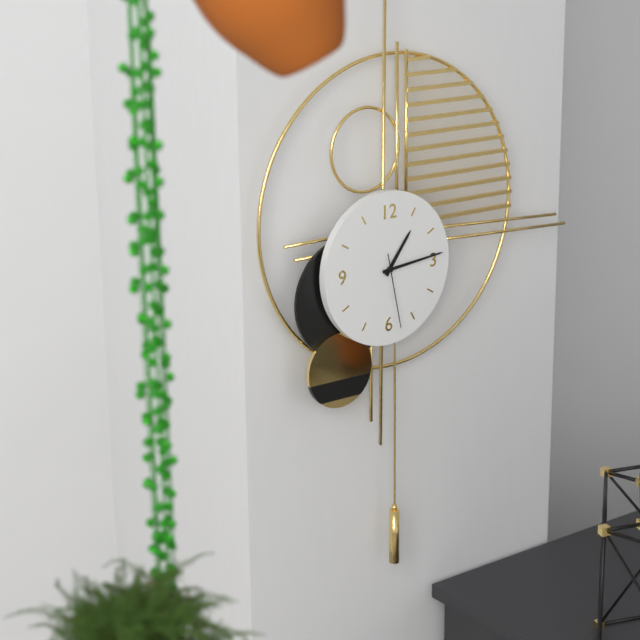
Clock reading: 1h14m28s
